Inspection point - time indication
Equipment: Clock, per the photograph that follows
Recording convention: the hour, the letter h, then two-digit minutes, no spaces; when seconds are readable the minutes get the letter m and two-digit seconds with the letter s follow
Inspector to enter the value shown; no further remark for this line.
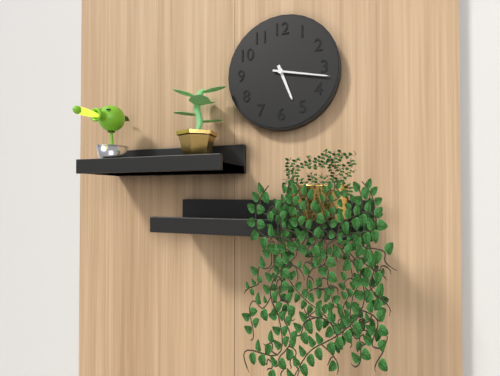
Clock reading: 5h17
